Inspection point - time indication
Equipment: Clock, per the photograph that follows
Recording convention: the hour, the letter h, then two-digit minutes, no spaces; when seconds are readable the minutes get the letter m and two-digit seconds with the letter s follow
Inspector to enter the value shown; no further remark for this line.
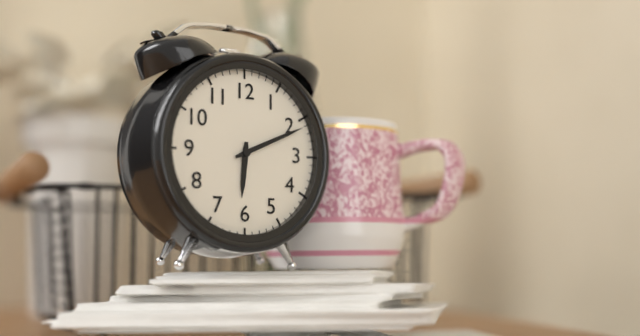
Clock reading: 6h11
